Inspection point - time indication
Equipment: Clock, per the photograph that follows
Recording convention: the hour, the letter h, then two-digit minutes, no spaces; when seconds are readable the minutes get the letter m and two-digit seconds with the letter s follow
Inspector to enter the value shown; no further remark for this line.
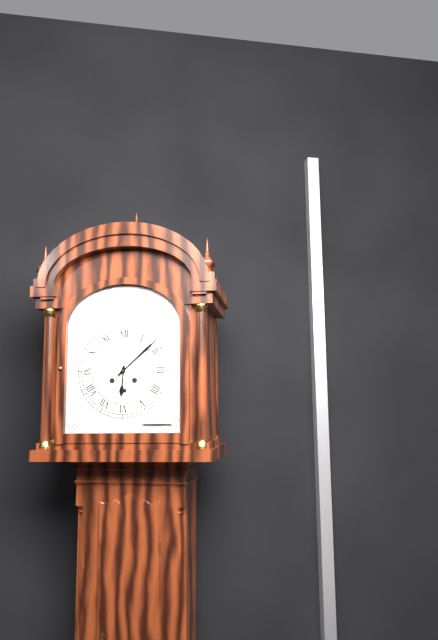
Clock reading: 6h08
